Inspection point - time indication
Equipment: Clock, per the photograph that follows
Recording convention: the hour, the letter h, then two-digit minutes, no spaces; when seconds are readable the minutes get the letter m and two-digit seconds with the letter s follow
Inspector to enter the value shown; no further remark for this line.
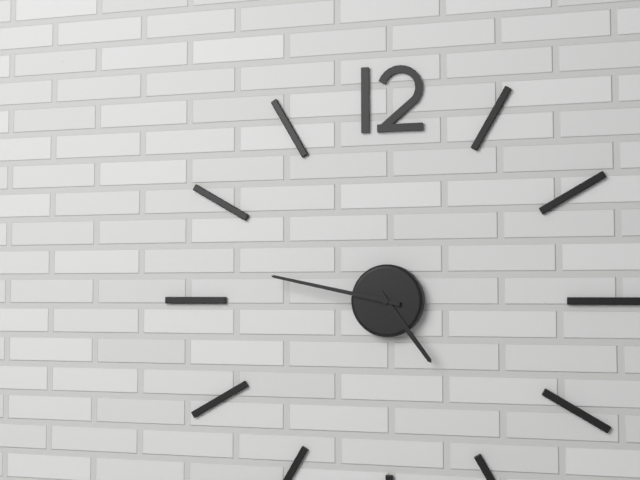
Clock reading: 4h47
